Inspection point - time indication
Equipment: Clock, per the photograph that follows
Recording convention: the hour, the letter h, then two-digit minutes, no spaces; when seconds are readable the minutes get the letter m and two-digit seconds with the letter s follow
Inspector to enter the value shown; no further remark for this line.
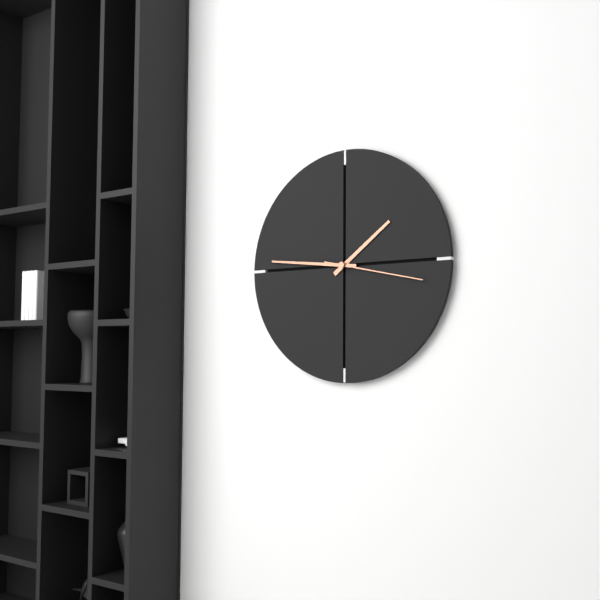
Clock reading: 1h46m17s
